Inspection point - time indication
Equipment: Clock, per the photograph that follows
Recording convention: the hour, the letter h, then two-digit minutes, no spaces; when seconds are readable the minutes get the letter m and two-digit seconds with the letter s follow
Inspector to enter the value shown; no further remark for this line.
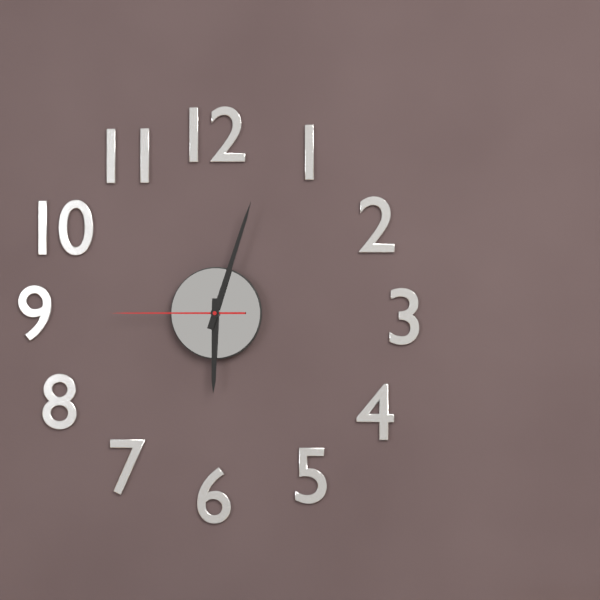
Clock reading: 6h03m45s
